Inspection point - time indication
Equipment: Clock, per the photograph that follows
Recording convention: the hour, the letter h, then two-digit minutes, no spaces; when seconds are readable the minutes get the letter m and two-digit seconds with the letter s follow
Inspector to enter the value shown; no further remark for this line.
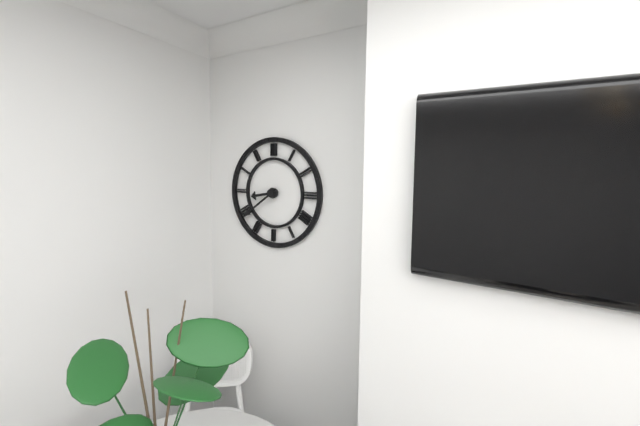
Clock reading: 8h39
